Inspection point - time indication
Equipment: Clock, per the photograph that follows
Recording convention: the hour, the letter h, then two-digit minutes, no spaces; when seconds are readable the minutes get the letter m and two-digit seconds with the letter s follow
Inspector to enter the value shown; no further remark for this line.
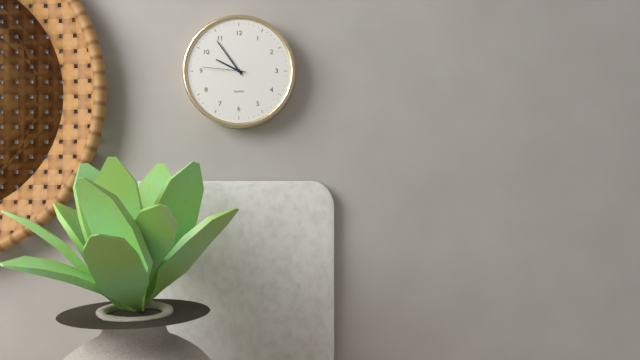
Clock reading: 9h54
